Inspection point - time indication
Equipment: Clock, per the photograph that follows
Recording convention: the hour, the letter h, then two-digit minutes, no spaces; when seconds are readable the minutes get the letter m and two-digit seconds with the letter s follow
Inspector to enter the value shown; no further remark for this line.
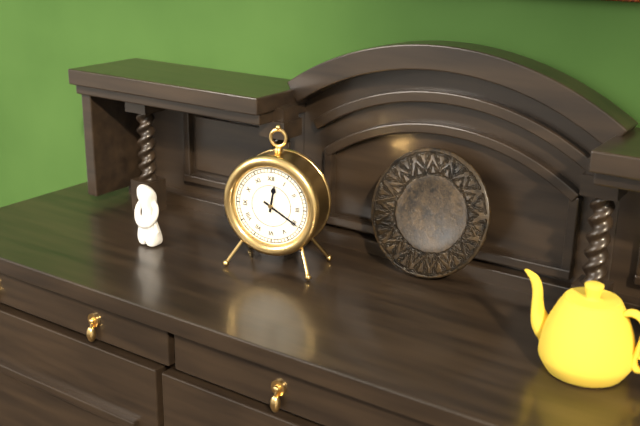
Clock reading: 12h20
